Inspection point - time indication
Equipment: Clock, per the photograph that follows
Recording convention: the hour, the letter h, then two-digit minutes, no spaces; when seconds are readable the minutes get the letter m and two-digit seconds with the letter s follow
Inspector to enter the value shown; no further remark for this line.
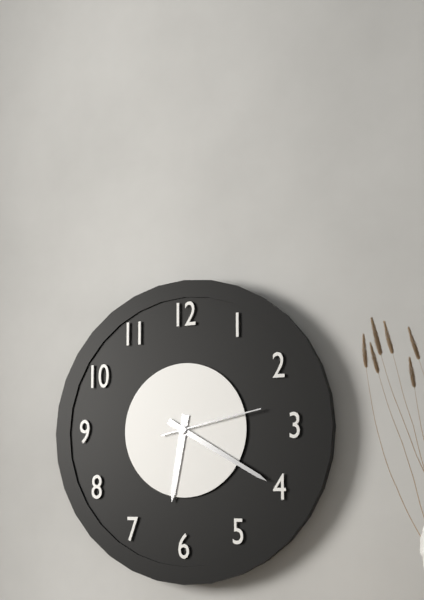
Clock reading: 6h20m13s
